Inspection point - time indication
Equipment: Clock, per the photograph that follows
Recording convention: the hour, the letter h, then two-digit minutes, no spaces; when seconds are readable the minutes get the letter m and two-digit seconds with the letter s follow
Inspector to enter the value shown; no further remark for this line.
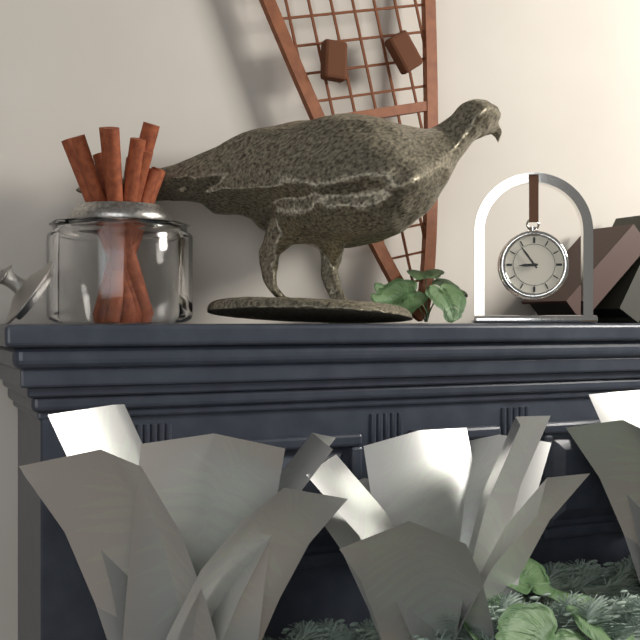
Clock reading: 8h54
